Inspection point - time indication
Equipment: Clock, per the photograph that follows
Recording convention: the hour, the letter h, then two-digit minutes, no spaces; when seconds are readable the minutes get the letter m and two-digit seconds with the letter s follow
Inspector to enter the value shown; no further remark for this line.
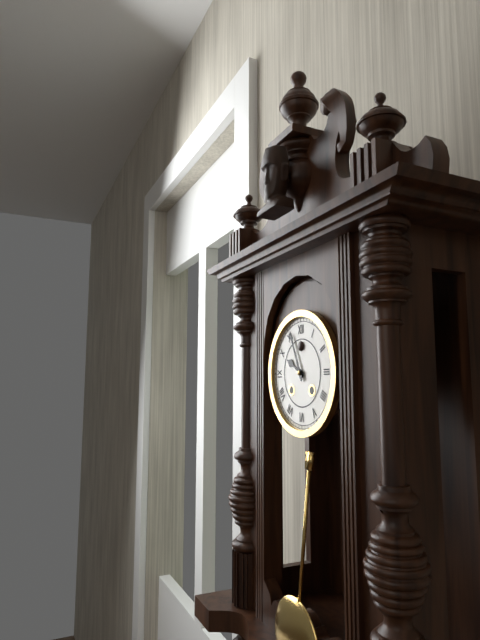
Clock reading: 9h56
